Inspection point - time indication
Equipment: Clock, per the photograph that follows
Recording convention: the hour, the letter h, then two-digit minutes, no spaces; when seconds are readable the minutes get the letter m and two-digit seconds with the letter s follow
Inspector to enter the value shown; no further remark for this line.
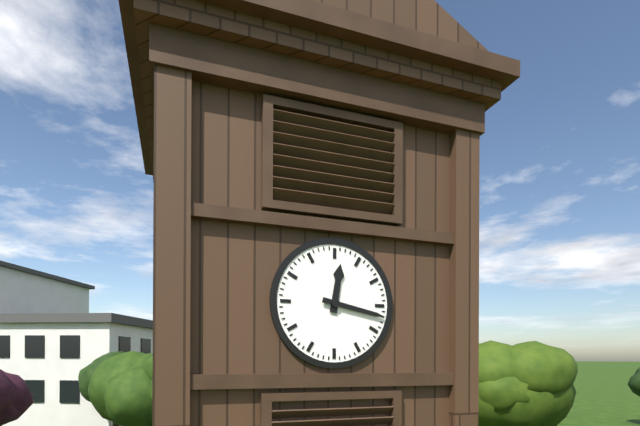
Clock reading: 12h17
